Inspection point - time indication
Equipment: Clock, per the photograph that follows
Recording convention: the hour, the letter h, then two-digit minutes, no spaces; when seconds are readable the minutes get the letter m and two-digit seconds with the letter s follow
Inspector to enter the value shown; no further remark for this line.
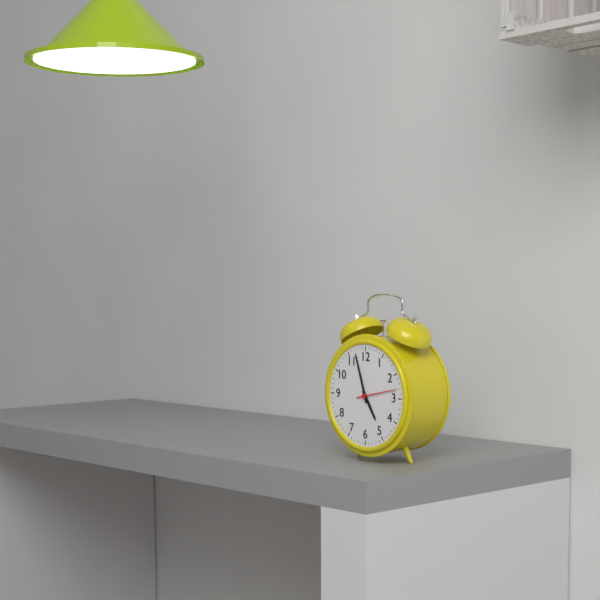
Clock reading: 4h57
